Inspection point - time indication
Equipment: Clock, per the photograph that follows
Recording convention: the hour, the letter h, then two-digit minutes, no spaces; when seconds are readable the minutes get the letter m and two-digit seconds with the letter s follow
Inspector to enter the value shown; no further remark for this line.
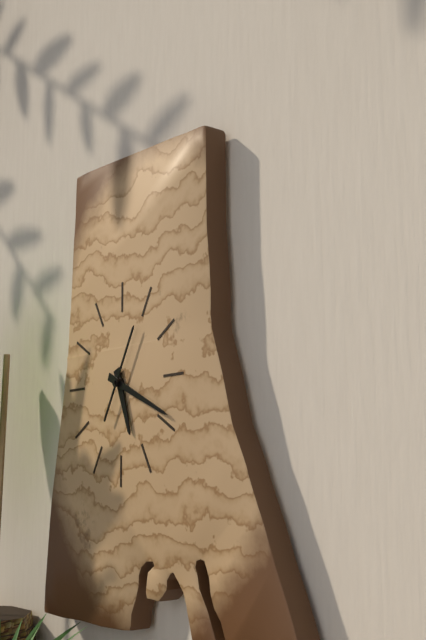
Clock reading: 5h19m05s
